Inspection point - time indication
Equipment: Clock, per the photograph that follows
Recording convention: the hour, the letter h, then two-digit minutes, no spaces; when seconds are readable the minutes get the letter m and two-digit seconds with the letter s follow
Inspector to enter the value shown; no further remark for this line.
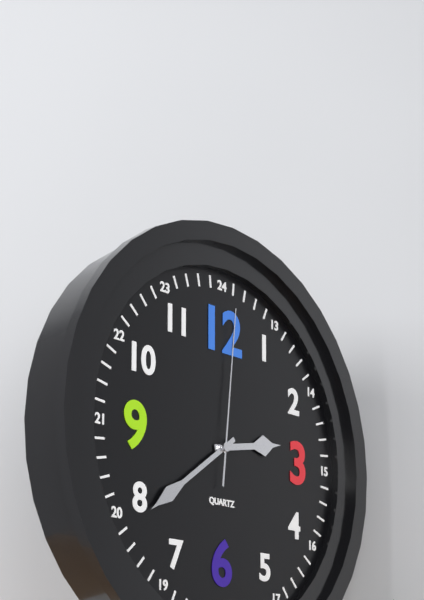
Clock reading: 2h39m01s
